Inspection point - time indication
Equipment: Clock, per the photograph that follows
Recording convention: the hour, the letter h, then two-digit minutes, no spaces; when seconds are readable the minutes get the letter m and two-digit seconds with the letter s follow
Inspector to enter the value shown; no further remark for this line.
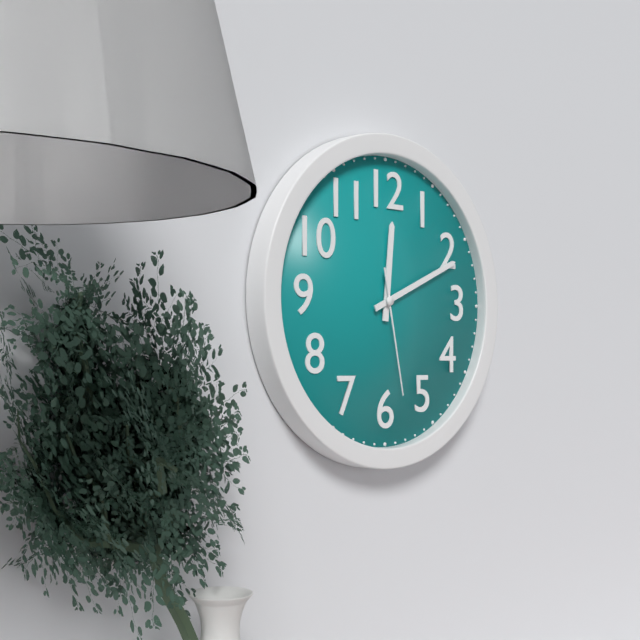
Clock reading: 12h11m28s
